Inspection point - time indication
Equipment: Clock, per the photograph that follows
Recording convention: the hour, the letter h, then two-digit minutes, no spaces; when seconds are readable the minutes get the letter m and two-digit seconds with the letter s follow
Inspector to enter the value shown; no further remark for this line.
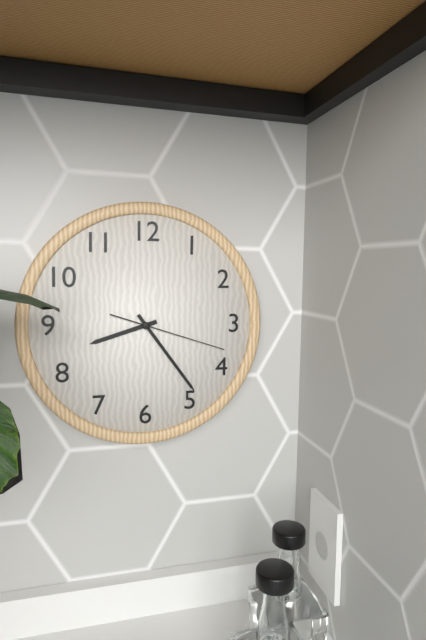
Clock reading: 8h24m18s
